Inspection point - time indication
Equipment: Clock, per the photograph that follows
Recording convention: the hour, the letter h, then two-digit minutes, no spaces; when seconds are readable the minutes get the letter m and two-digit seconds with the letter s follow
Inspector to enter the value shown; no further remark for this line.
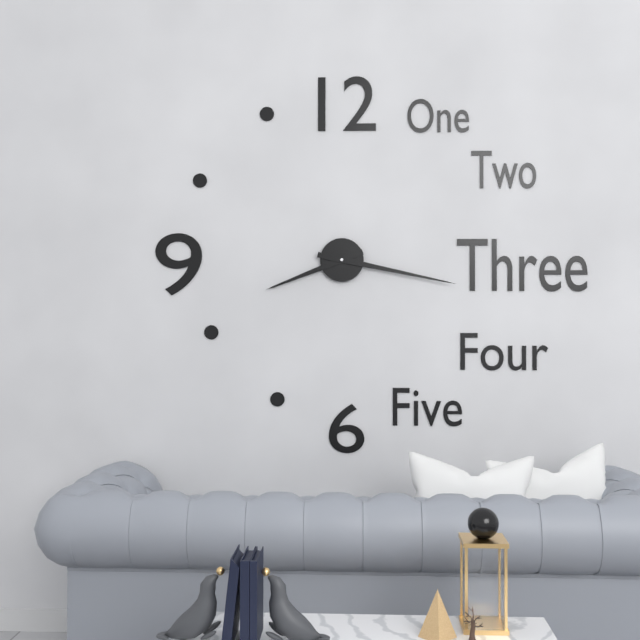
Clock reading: 8h17
